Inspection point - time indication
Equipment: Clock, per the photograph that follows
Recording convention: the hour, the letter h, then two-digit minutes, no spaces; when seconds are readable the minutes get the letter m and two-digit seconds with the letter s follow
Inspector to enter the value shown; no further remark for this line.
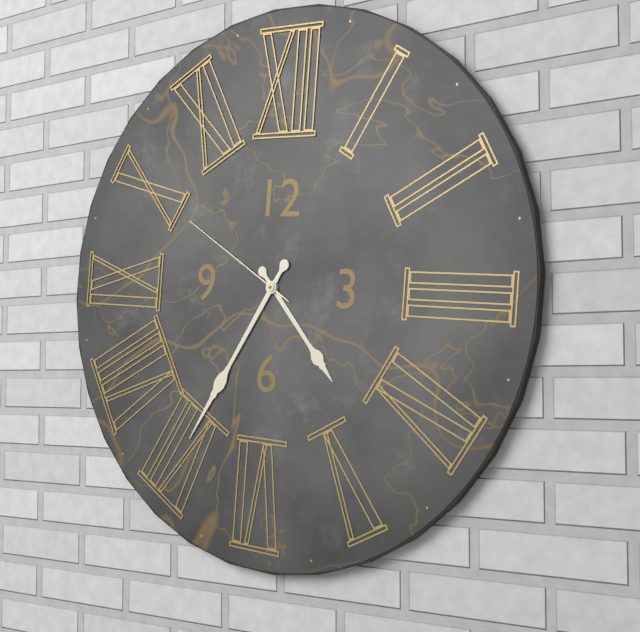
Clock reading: 4h35m50s
